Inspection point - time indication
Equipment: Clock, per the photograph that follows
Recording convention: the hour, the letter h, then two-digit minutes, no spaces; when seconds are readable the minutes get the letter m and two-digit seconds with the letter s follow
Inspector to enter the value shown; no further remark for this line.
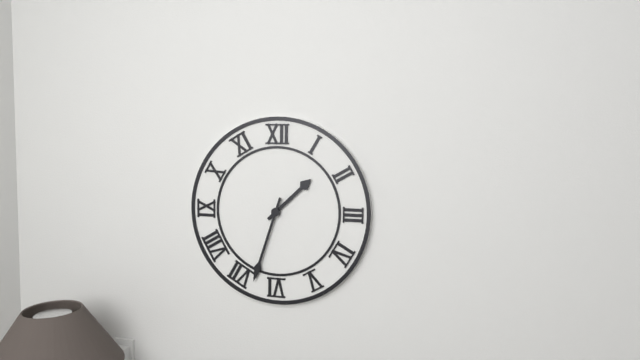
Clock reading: 1h33
